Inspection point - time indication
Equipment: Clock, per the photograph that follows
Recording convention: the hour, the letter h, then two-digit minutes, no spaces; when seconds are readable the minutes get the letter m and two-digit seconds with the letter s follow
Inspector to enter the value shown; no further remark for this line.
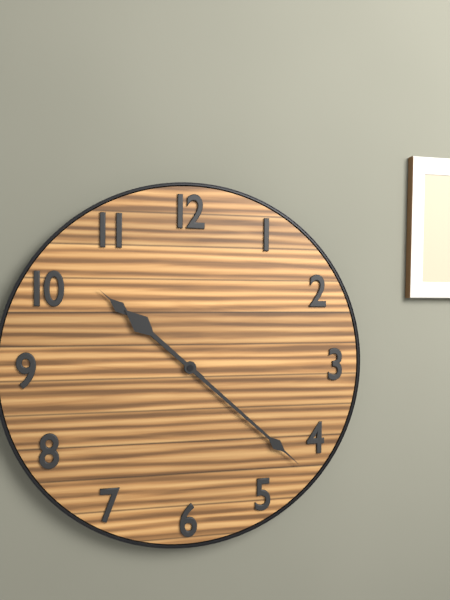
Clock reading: 10h22
